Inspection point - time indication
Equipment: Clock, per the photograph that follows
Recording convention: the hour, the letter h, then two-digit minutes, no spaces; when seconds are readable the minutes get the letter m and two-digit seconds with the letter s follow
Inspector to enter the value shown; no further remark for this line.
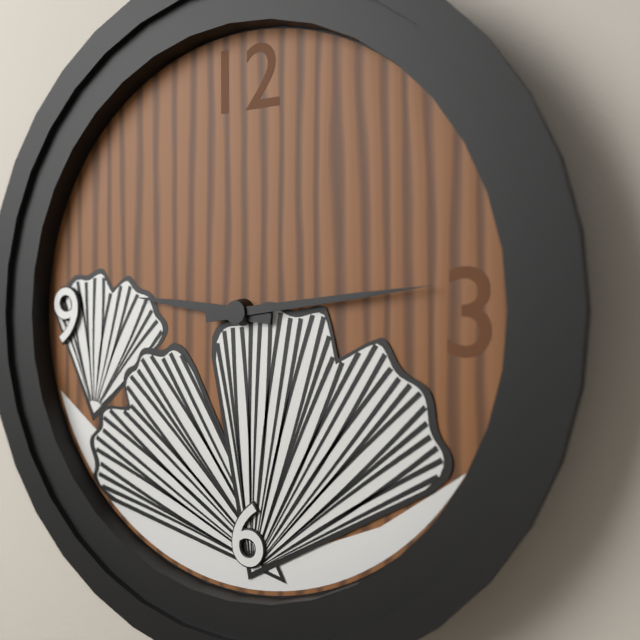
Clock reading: 9h14
